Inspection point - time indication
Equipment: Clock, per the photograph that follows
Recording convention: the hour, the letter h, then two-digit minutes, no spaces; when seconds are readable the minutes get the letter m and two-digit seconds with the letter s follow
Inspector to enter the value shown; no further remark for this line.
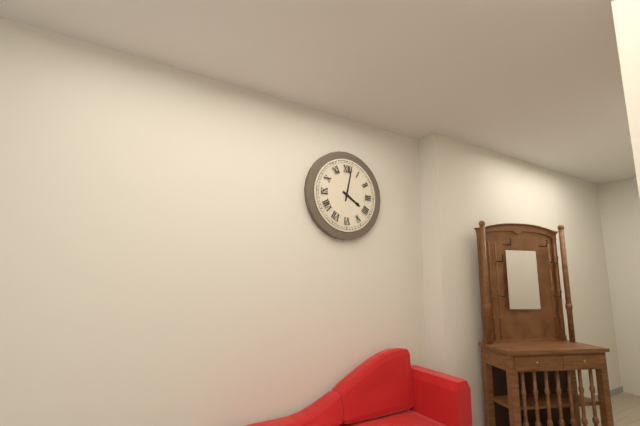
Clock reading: 4h02
